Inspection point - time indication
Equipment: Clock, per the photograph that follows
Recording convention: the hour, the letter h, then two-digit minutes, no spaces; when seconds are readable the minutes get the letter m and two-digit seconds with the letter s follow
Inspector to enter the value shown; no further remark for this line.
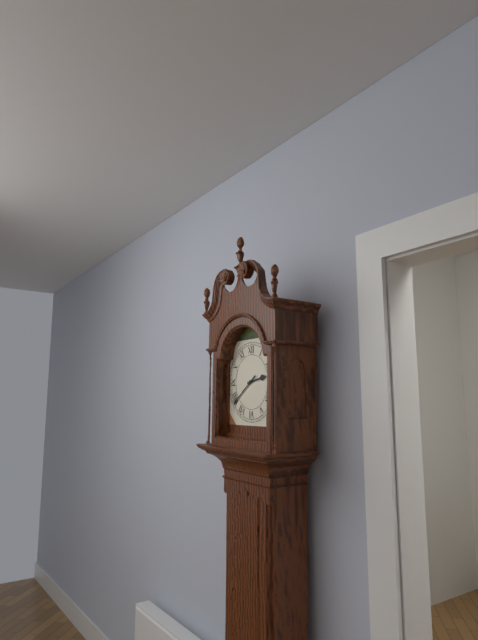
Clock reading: 2h39
